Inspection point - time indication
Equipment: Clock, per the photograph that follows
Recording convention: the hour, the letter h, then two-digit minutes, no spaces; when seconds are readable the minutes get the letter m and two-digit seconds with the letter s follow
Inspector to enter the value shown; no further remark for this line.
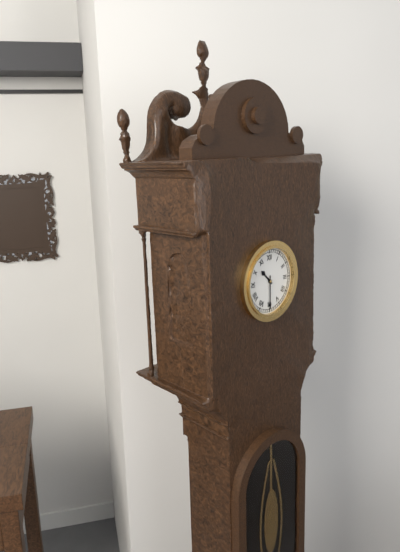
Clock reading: 10h30
